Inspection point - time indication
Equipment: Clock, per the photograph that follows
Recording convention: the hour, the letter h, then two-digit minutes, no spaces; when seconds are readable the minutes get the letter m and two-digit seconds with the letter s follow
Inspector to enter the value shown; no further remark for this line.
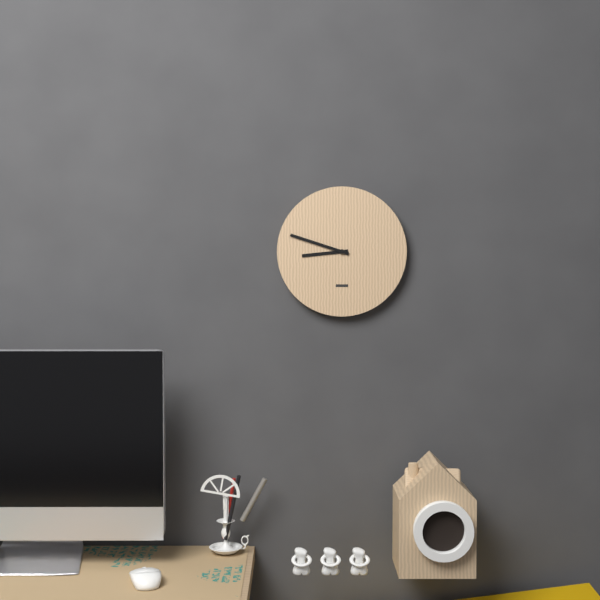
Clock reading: 8h48
